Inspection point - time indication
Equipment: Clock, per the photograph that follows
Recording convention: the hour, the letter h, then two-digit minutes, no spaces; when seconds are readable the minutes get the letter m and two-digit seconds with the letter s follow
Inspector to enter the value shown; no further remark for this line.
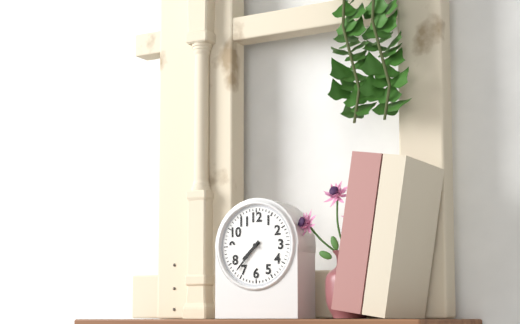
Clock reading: 7h37
